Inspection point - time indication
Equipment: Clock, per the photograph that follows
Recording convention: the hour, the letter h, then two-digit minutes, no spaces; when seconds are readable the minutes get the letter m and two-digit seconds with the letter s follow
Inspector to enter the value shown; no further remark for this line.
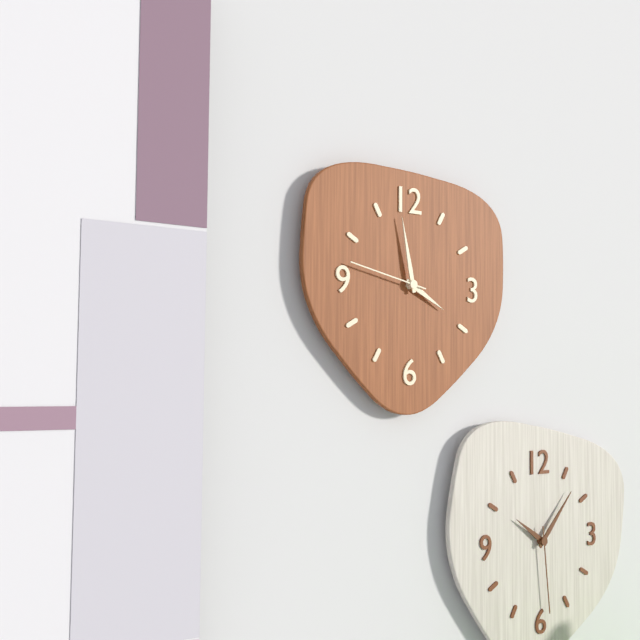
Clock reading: 3h58m47s
